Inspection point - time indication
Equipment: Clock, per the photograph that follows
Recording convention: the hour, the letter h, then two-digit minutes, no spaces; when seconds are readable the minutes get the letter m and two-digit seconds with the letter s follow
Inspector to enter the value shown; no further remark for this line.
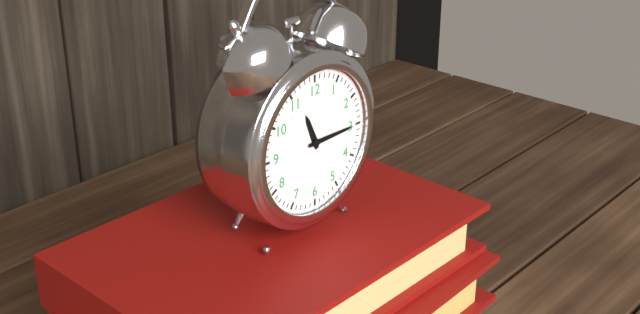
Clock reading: 11h15
